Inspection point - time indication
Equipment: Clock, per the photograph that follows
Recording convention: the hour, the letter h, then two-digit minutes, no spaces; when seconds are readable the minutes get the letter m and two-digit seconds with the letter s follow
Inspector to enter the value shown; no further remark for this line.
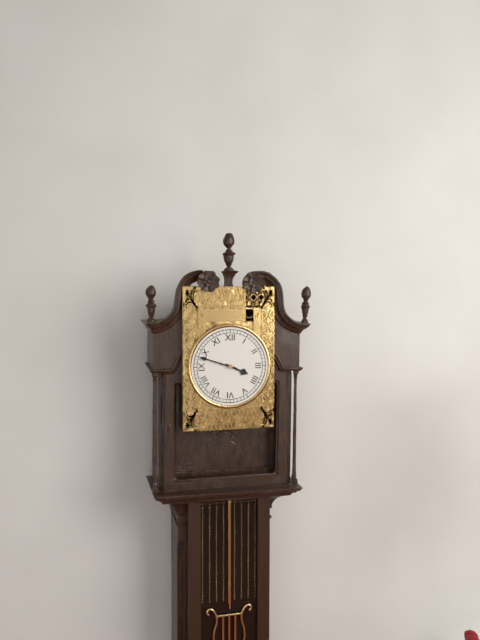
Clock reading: 3h48
